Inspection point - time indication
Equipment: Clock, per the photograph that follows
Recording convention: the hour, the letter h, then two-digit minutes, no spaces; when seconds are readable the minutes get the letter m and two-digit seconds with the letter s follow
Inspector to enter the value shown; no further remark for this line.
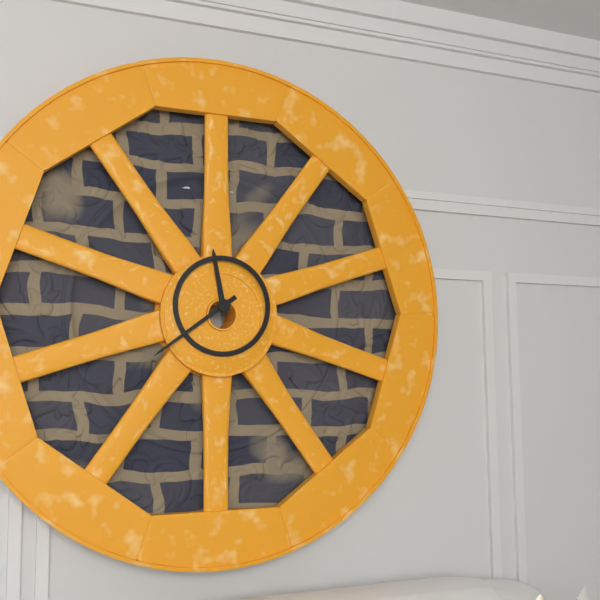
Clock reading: 11h39
